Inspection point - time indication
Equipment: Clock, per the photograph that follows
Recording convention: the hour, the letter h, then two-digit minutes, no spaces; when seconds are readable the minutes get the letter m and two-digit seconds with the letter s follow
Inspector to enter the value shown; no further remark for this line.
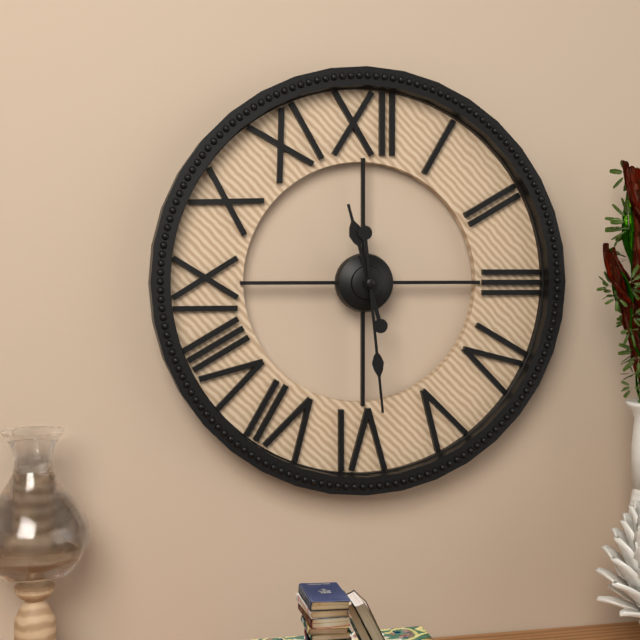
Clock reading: 11h29
